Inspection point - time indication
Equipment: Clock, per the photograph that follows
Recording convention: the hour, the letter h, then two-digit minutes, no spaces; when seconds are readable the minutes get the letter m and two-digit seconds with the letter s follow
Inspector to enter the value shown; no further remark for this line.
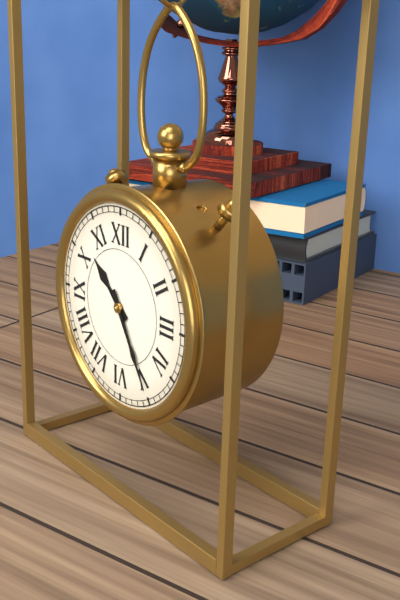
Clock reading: 10h25
